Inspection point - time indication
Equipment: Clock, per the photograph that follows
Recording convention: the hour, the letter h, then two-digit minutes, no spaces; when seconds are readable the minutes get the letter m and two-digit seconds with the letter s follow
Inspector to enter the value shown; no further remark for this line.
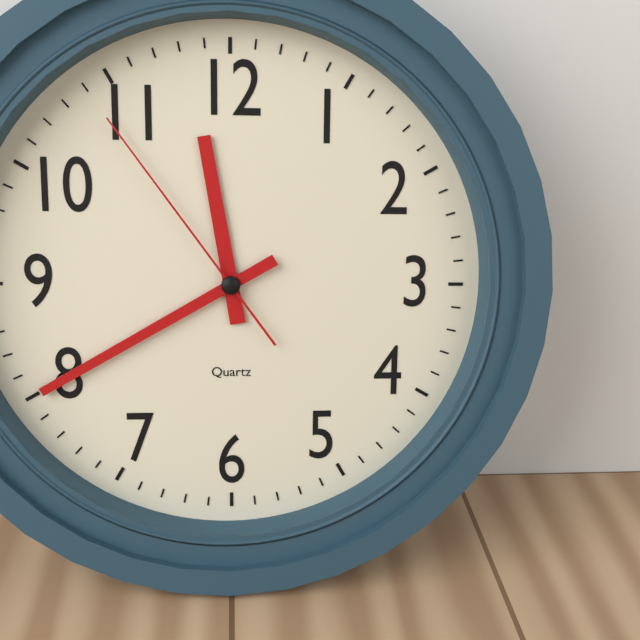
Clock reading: 11h40m54s
